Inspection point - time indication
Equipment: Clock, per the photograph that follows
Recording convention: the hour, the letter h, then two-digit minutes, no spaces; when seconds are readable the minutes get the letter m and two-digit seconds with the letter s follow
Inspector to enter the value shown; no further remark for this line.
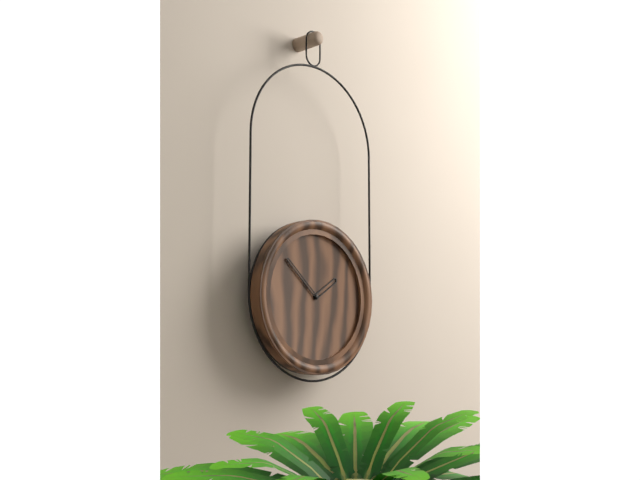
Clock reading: 1h52
